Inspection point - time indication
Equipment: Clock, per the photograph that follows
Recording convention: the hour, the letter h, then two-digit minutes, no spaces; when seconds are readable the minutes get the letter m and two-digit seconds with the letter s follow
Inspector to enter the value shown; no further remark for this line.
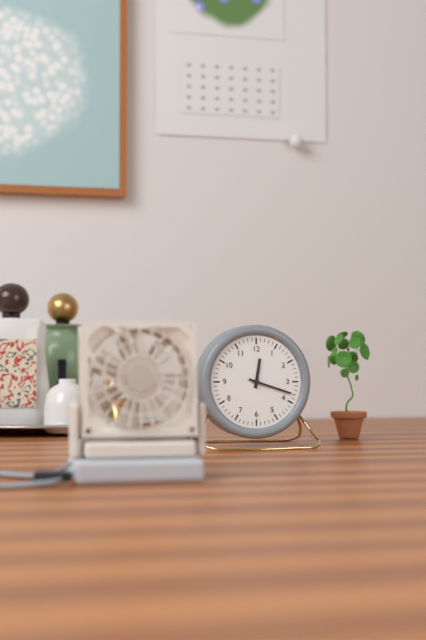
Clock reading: 12h18
